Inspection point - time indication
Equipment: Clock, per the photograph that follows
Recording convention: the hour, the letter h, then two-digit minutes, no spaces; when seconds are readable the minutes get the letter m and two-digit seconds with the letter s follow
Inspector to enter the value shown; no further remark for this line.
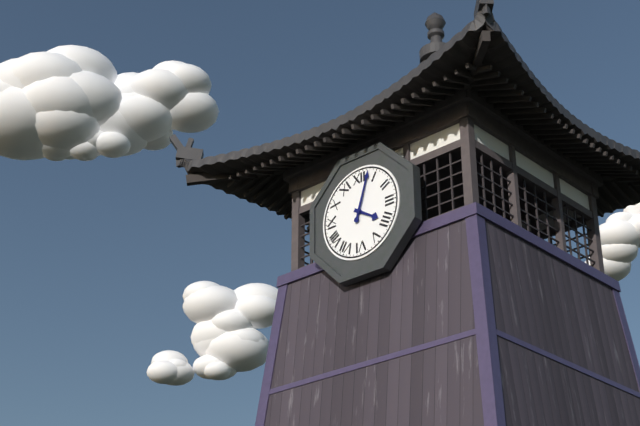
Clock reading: 4h03
